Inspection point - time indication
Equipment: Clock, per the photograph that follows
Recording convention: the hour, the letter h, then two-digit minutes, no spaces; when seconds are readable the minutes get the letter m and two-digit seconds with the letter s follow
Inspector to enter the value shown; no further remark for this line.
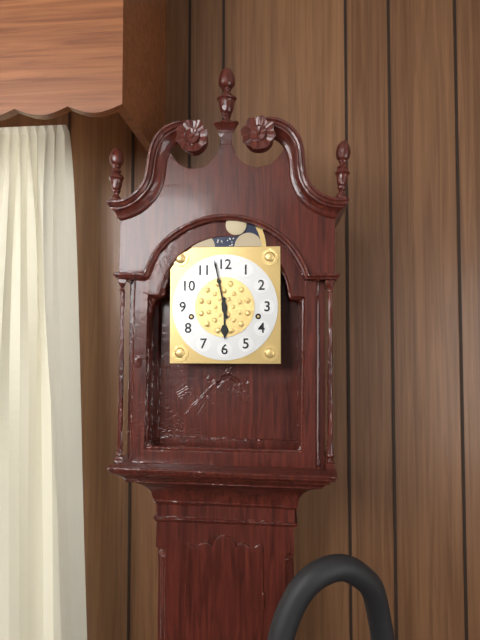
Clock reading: 5h58
